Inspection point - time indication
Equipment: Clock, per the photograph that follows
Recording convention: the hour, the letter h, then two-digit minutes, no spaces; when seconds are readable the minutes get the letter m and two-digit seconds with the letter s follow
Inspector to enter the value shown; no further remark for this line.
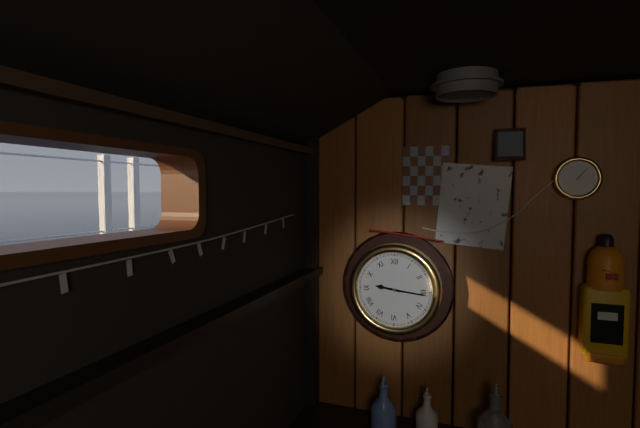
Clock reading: 9h16
